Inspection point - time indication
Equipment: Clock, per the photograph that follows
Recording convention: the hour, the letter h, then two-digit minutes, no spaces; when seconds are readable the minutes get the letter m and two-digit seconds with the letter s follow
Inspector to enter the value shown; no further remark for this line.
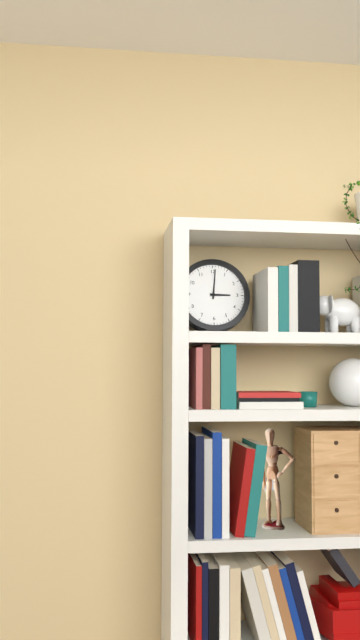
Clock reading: 3h01
